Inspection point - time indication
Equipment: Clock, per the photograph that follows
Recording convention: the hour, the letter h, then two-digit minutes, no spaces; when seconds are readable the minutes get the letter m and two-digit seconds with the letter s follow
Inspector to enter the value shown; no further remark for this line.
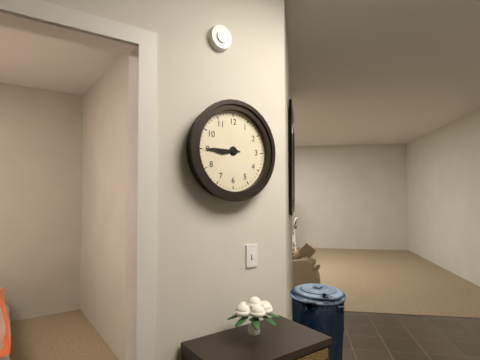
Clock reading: 8h45
